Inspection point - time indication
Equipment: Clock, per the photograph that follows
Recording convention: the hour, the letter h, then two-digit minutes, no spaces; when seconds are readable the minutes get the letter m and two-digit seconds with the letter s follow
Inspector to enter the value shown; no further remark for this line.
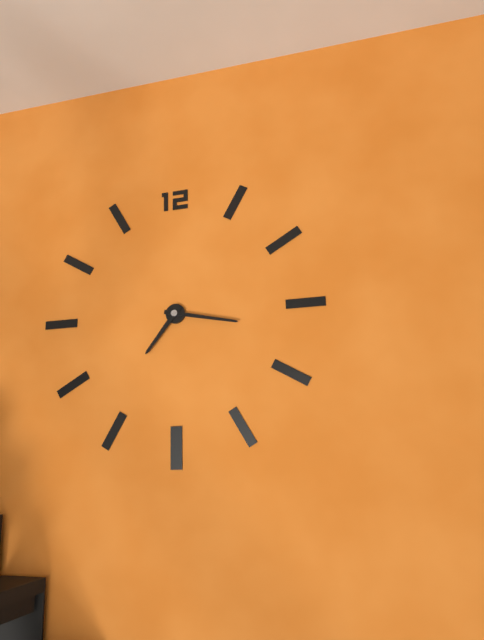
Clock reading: 7h17
